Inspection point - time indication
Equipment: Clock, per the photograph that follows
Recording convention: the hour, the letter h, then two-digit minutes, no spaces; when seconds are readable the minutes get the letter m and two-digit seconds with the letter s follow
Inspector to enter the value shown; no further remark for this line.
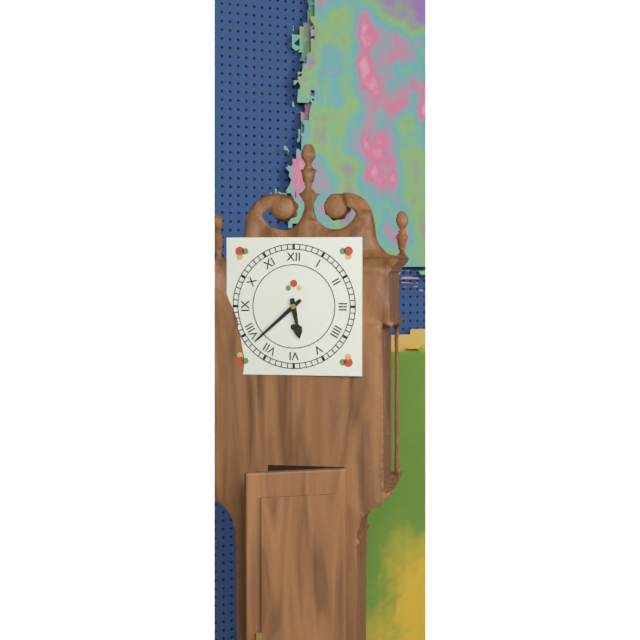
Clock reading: 5h38
